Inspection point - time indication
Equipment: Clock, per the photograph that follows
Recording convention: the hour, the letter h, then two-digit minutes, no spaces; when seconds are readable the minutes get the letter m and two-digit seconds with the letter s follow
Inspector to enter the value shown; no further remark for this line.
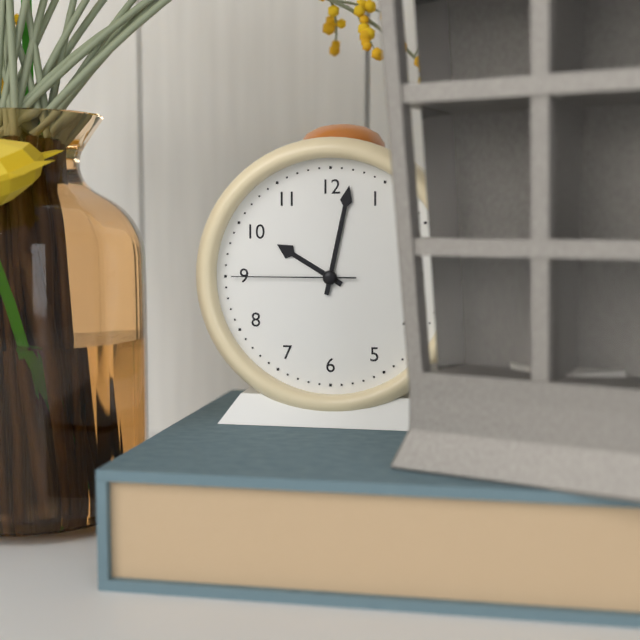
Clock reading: 10h02m45s
